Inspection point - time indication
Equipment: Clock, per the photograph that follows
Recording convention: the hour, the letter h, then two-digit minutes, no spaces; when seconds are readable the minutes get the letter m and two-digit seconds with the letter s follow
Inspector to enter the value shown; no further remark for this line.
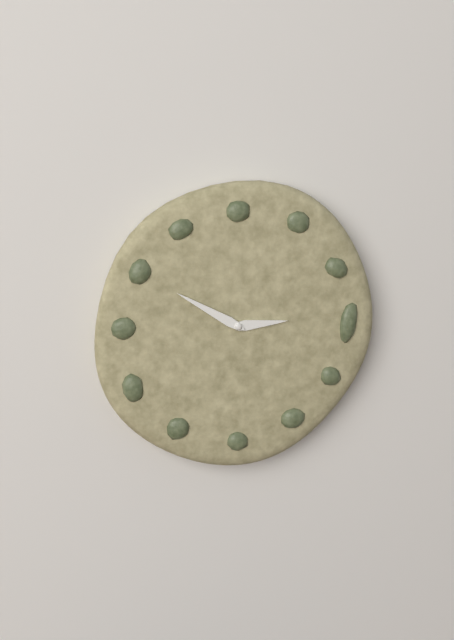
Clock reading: 2h50
